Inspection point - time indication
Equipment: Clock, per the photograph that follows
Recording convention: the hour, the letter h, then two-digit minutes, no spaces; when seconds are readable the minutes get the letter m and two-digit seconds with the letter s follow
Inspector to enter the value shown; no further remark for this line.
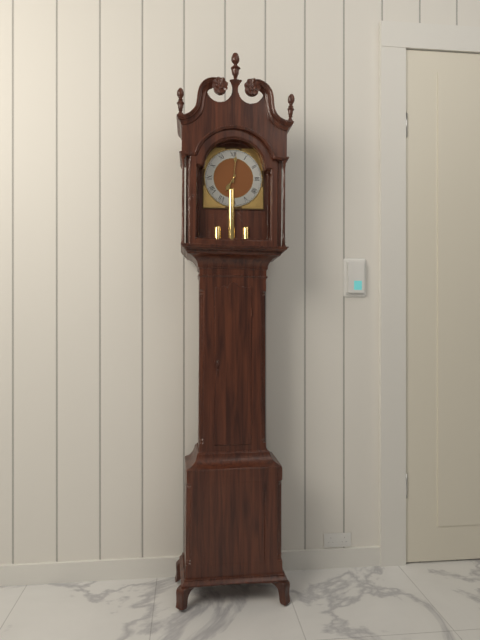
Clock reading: 7h01
